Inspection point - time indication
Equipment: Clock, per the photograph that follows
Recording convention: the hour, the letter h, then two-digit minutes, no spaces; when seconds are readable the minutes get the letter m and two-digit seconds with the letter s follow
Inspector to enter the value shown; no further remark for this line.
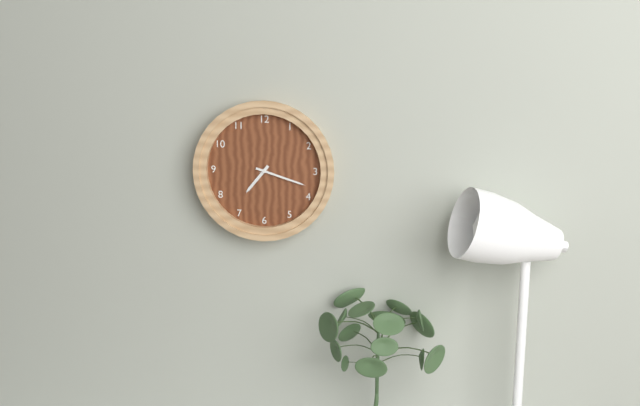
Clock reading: 7h18
